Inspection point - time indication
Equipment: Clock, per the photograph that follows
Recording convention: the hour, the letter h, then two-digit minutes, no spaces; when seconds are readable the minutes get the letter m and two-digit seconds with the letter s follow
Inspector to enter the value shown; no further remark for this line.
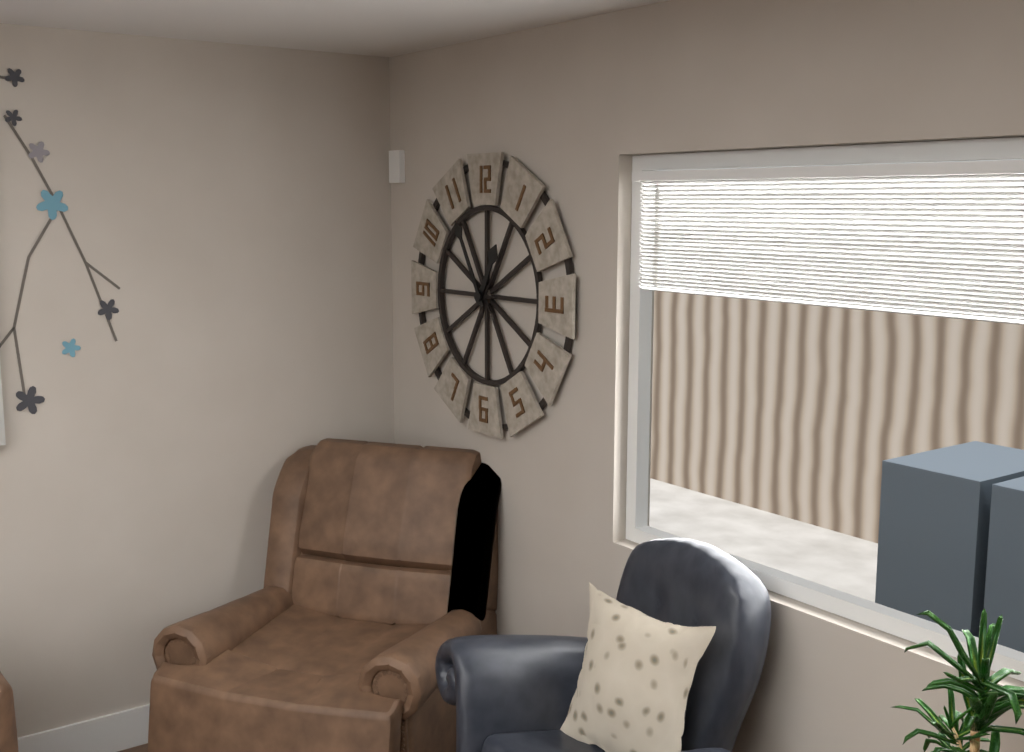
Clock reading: 12h55
